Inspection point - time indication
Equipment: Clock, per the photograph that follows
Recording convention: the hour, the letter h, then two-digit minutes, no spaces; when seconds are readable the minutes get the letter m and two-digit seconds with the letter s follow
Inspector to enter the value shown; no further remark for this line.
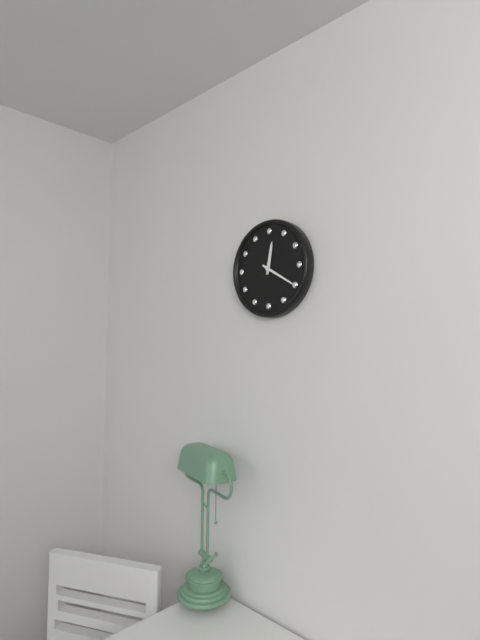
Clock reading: 12h20
